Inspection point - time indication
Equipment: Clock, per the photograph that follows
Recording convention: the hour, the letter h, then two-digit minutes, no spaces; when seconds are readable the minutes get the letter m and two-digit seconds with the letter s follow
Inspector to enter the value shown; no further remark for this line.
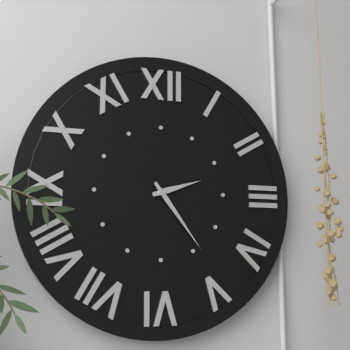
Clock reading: 2h24
